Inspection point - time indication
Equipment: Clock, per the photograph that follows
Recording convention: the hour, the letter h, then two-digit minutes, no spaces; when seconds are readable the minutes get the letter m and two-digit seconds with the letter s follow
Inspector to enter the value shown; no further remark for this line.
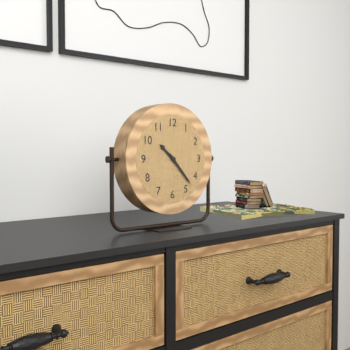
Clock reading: 10h23
